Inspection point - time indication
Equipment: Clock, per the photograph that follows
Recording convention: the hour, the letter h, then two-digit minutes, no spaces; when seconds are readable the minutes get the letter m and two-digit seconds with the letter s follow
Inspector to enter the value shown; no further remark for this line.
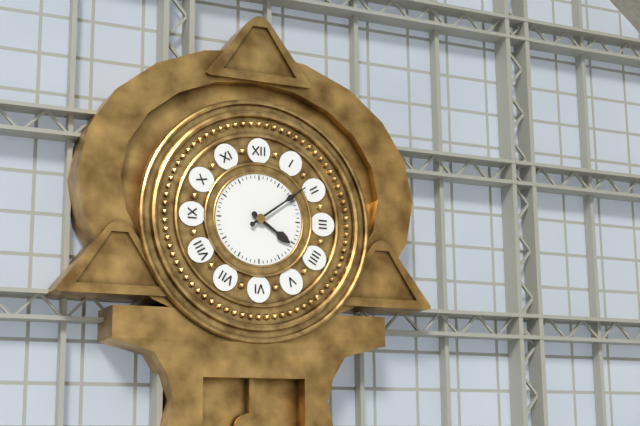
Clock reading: 4h09
